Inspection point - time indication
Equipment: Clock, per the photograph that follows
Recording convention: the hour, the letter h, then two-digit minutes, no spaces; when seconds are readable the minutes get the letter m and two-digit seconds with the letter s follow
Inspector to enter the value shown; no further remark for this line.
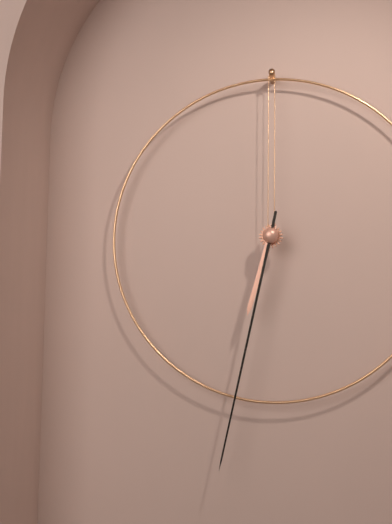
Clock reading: 6h32
